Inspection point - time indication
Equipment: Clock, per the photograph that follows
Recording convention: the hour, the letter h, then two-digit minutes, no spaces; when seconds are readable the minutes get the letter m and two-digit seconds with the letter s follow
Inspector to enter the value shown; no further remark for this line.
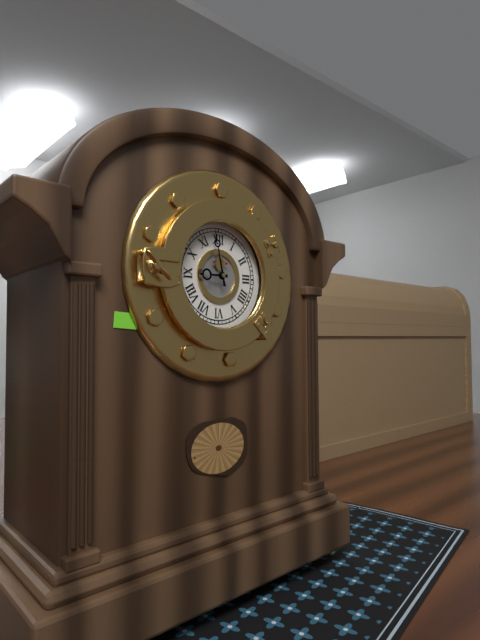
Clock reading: 8h58
